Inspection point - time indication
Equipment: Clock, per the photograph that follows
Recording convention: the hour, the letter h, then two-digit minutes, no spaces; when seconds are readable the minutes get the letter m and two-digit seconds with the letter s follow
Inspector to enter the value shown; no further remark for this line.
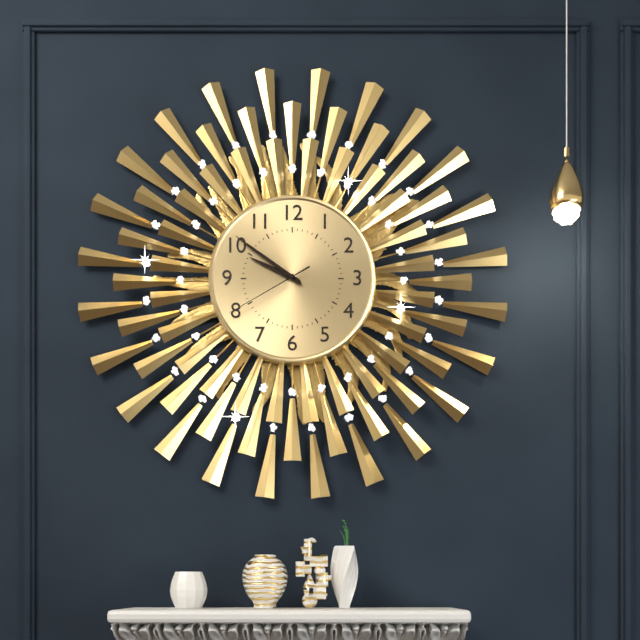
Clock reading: 9h51m40s
